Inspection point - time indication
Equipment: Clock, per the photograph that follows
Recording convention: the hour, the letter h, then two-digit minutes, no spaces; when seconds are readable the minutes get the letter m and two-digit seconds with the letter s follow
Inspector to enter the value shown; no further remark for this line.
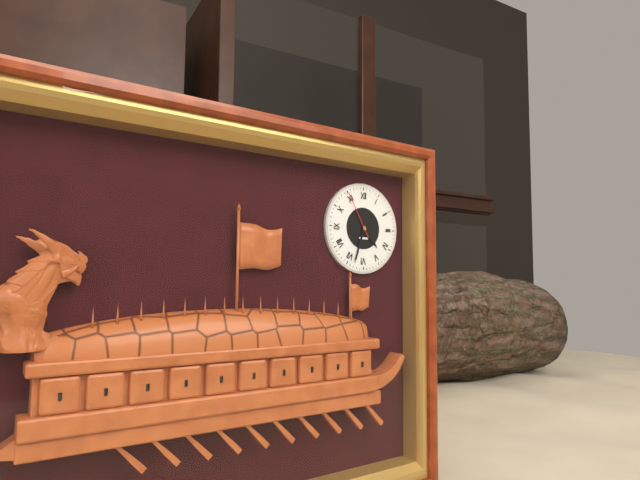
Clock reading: 4h33
